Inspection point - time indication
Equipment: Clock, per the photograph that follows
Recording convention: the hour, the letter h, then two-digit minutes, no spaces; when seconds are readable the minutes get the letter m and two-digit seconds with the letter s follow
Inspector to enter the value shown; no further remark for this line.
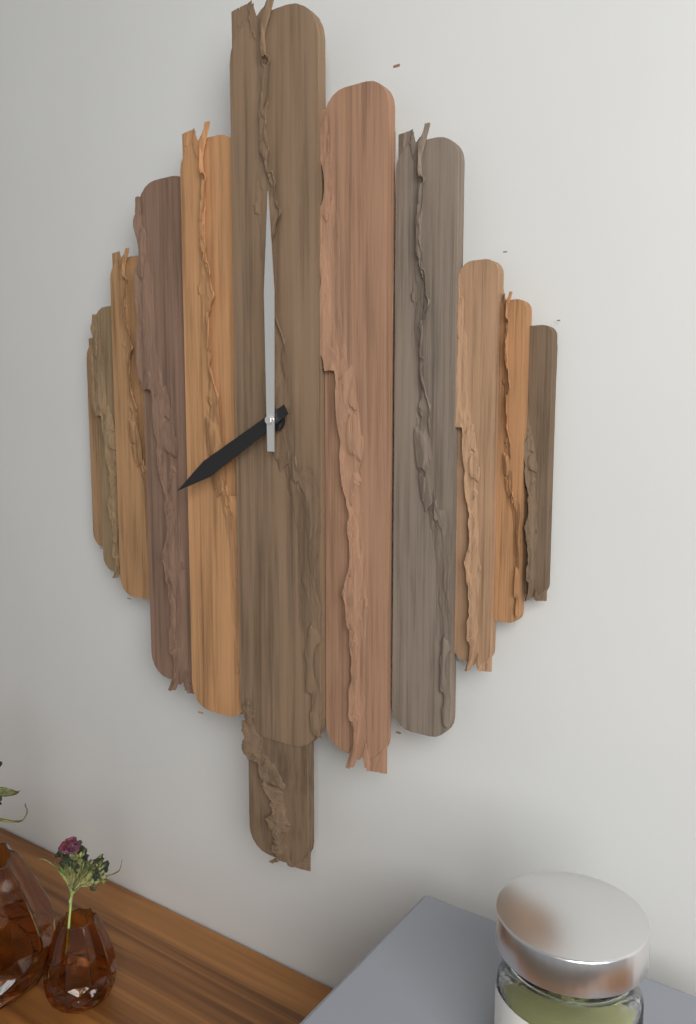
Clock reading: 8h00
